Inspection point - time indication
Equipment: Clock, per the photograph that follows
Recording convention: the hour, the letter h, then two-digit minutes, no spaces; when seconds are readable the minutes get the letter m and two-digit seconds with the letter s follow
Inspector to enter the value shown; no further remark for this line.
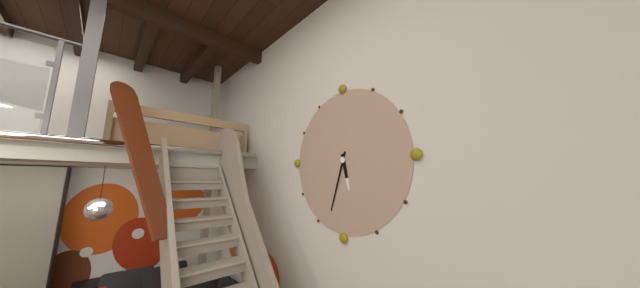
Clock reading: 5h33
